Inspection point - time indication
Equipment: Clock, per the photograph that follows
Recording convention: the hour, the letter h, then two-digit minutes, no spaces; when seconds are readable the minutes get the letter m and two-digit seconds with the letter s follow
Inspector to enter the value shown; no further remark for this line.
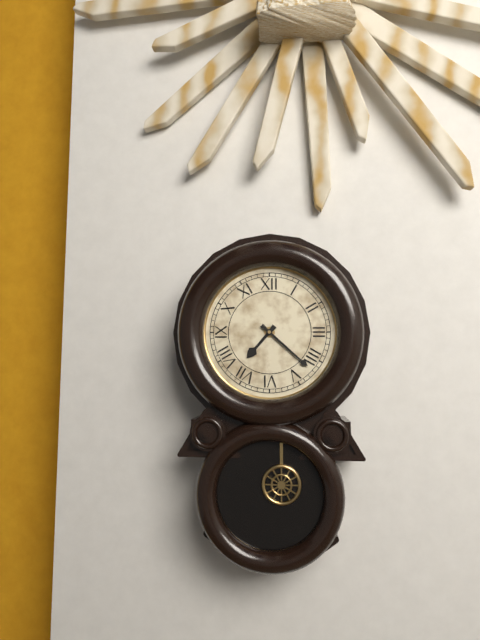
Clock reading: 7h22
